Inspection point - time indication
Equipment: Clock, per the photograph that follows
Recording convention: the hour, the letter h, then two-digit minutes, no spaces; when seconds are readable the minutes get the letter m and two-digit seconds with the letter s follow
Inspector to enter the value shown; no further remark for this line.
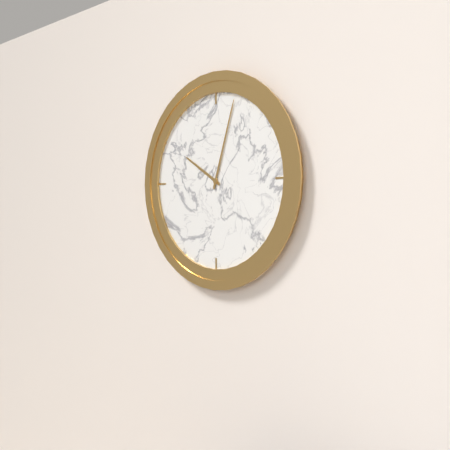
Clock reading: 10h03
